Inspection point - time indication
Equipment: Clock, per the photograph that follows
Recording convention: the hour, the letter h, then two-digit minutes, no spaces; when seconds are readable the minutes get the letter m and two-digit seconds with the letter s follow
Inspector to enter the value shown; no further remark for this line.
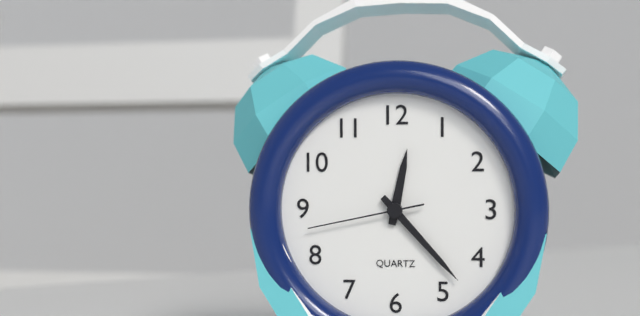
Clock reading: 12h23m43s
